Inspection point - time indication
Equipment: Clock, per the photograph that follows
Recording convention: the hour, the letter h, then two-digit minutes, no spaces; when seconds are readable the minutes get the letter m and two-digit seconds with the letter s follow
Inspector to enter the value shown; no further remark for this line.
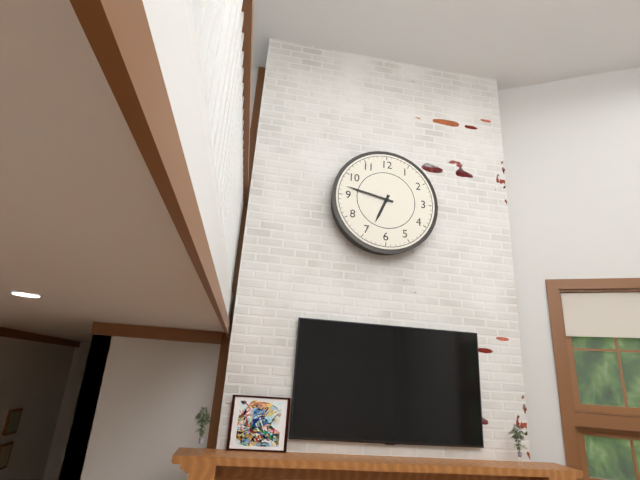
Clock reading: 6h47
